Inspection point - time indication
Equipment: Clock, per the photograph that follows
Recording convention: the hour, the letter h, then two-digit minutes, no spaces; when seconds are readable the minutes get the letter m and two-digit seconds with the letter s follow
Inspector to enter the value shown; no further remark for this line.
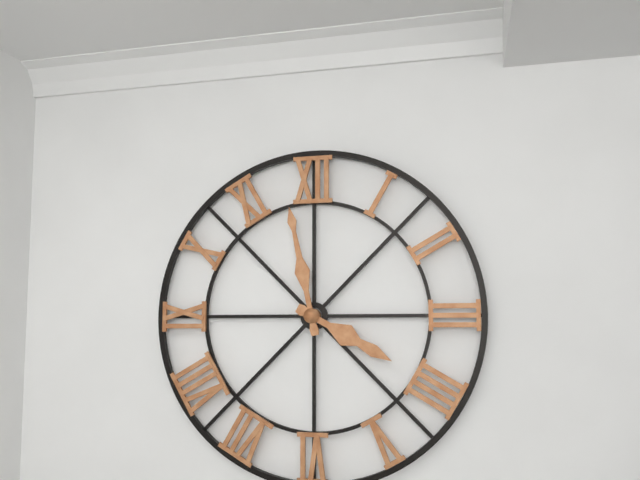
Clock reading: 3h58
